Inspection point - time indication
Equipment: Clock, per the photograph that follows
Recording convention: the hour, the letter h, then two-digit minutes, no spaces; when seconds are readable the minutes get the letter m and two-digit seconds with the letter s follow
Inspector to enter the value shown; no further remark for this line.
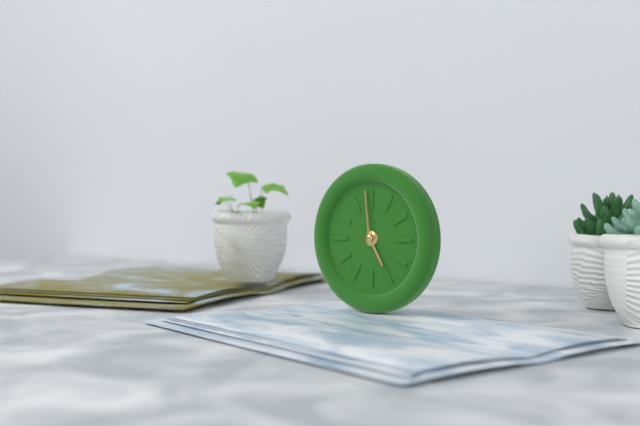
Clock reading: 4h59
